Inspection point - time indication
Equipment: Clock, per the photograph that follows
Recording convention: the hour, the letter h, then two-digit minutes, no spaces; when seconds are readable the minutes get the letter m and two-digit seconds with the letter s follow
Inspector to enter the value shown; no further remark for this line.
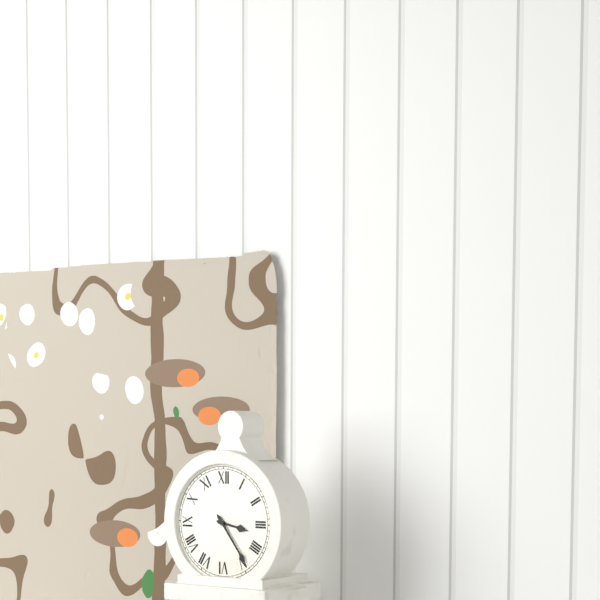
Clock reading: 3h24
